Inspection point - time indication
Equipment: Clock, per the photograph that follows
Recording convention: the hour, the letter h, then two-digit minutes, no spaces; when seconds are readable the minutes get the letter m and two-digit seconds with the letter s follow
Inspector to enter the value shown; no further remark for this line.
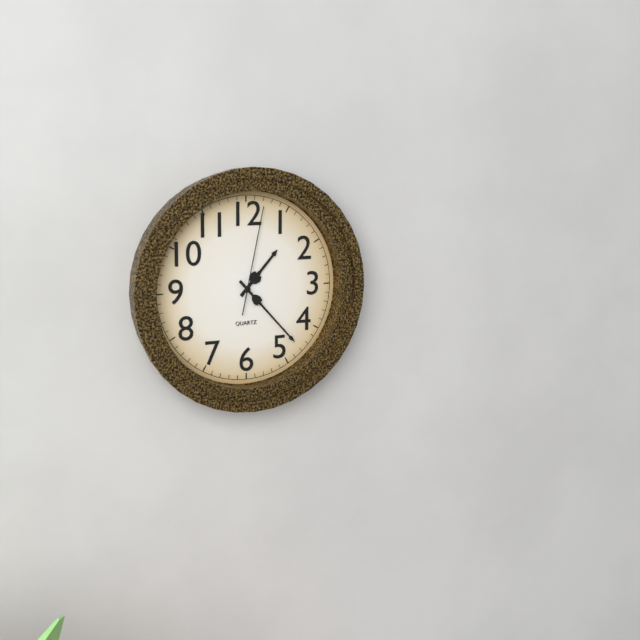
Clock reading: 1h23m02s
